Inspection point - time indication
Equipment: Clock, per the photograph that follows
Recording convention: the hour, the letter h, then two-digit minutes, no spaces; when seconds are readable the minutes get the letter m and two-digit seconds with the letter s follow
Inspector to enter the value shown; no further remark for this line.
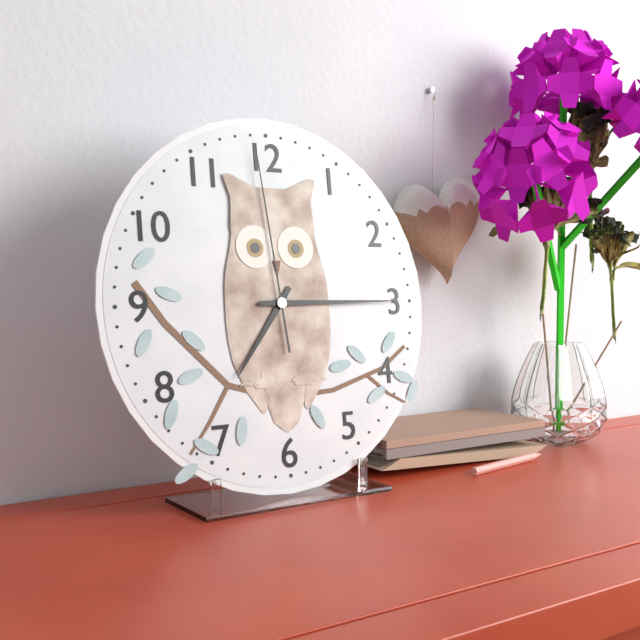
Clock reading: 7h15m59s
